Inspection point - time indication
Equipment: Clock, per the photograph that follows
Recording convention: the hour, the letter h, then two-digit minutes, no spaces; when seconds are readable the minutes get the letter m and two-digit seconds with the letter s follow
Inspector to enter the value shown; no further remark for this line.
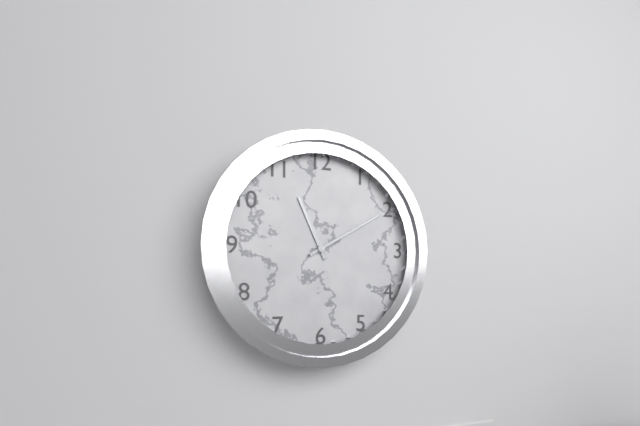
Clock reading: 11h10
